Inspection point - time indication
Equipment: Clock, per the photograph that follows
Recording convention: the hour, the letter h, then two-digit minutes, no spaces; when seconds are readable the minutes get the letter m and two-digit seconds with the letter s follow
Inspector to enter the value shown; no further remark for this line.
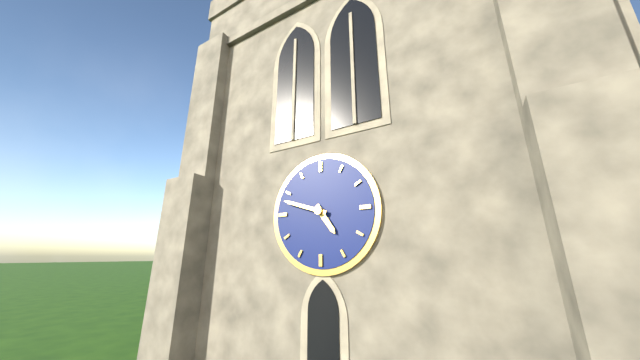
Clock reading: 4h48
